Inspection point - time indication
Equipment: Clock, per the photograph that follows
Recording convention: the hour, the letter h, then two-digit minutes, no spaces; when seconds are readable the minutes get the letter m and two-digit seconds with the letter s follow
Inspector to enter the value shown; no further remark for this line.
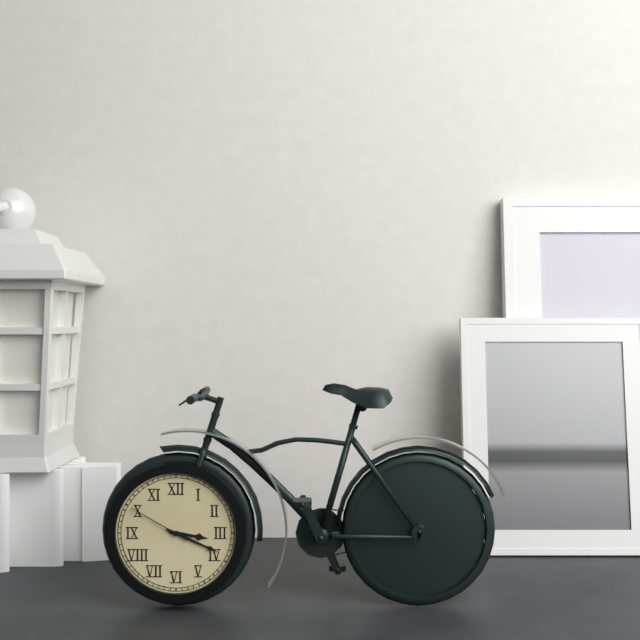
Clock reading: 3h19m50s
